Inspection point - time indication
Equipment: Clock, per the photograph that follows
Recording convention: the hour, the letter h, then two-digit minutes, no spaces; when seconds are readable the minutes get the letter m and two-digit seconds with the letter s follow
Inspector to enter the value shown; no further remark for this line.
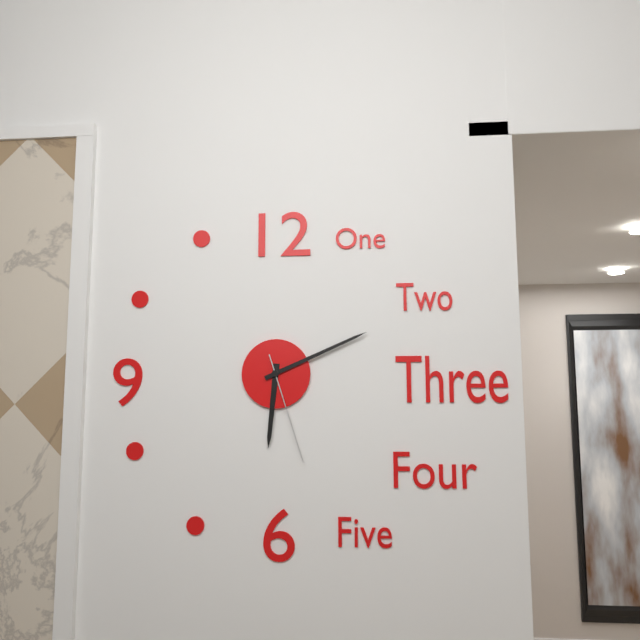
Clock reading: 6h11m27s
